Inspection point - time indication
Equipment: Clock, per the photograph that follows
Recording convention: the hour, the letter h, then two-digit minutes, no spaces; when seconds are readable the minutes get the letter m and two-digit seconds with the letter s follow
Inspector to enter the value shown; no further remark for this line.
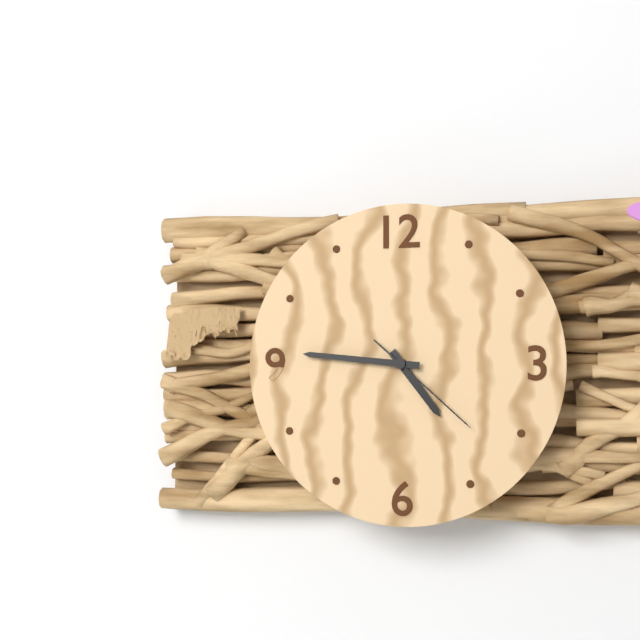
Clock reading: 4h46m22s
